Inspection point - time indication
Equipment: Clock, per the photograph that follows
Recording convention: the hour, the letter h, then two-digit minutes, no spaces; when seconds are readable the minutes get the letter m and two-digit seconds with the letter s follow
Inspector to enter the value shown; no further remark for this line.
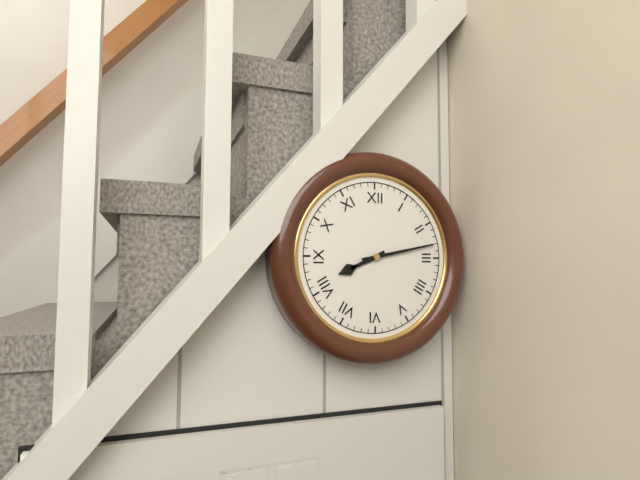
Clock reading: 8h13
